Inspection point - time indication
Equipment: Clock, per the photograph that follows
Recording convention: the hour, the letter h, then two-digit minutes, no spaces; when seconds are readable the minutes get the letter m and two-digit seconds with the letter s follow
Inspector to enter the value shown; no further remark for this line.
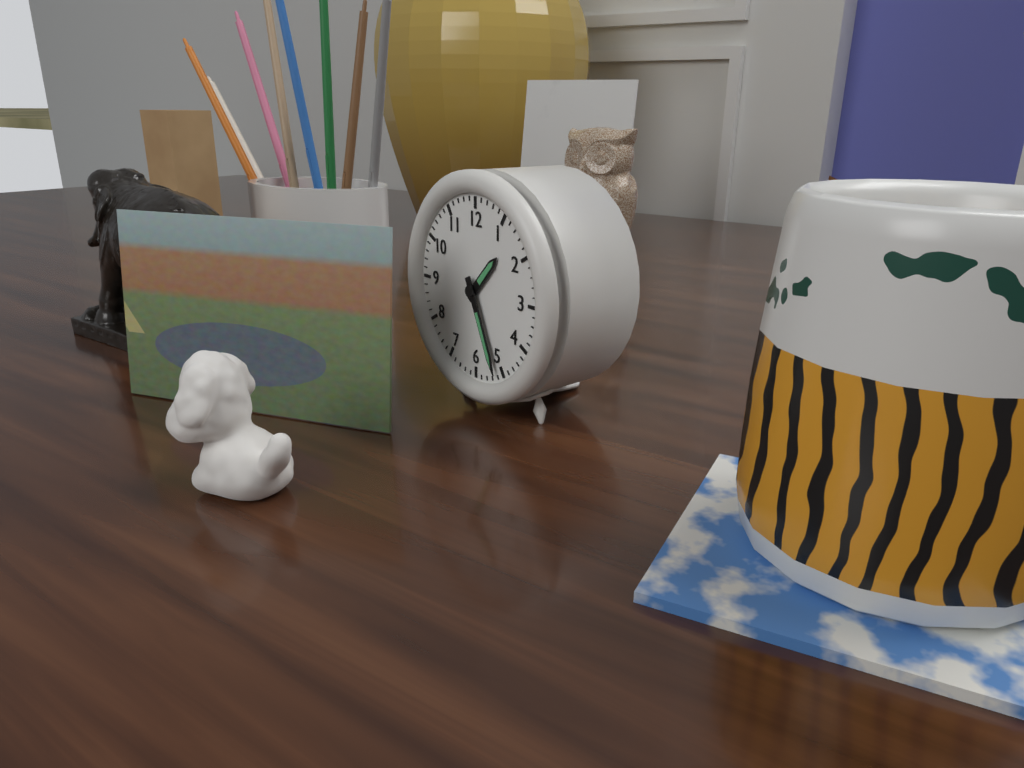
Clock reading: 1h26
